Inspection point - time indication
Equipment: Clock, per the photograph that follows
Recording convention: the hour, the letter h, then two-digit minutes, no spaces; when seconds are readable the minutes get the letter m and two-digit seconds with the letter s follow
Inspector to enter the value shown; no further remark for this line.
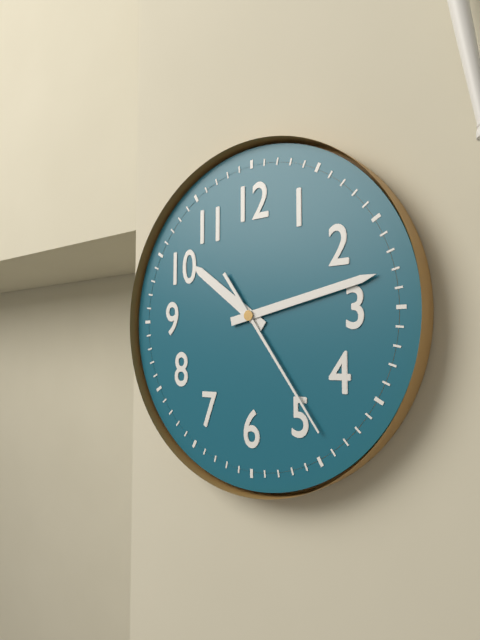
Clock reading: 10h13m24s
